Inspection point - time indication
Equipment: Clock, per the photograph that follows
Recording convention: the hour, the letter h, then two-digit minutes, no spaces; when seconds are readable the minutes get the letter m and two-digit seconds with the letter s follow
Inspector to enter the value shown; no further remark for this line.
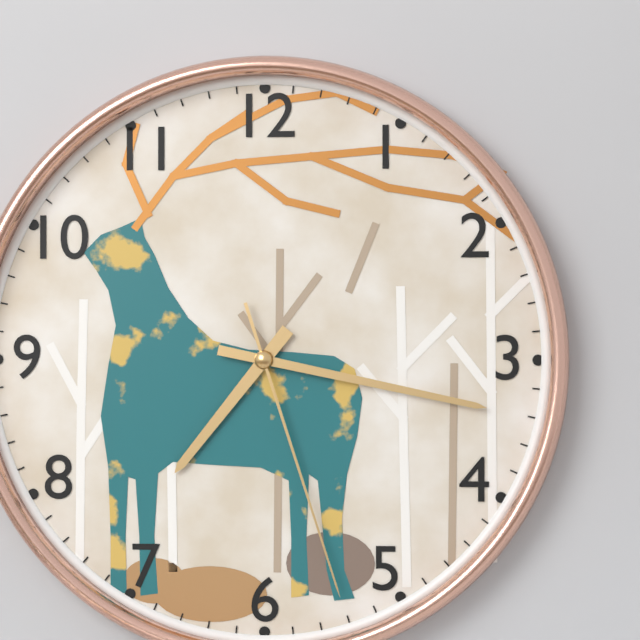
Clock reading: 7h17m27s
